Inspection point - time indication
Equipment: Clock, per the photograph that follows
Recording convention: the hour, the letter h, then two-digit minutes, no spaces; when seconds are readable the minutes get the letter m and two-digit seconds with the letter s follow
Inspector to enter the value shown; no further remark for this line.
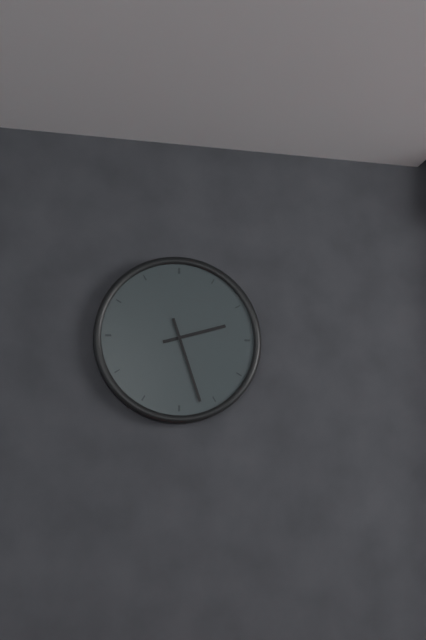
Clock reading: 2h27
